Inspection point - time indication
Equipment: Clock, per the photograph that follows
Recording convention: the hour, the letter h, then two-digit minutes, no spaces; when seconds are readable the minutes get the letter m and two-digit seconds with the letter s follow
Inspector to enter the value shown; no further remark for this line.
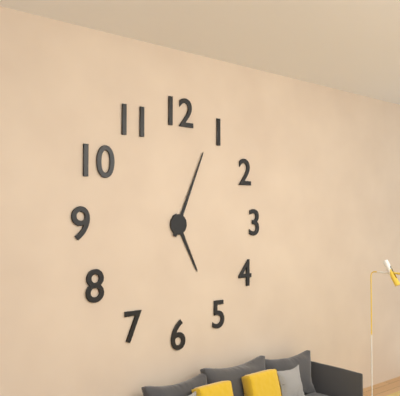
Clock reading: 5h04
